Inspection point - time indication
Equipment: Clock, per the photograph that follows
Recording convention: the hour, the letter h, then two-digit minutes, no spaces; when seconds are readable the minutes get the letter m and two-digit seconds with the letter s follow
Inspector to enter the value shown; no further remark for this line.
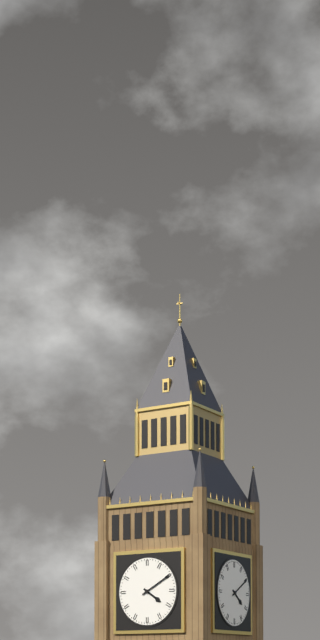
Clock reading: 4h10
